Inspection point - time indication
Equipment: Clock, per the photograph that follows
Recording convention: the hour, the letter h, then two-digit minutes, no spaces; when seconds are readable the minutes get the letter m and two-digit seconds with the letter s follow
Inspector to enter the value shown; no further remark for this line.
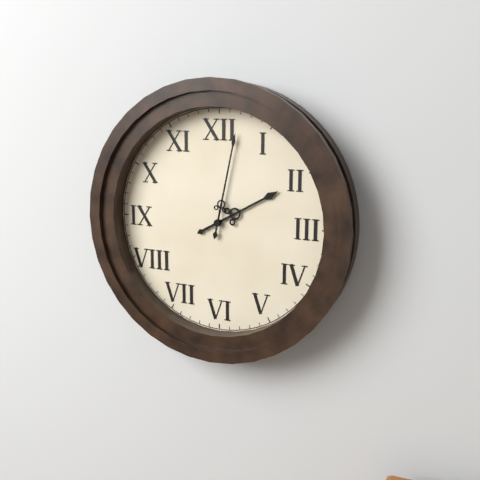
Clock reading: 2h02
